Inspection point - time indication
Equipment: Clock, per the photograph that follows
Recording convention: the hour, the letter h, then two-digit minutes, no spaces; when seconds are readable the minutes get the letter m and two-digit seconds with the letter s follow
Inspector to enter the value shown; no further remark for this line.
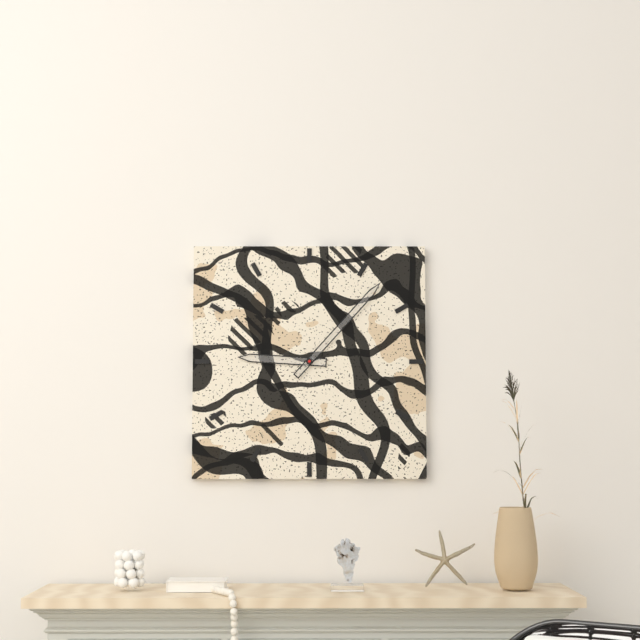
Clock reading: 9h07
